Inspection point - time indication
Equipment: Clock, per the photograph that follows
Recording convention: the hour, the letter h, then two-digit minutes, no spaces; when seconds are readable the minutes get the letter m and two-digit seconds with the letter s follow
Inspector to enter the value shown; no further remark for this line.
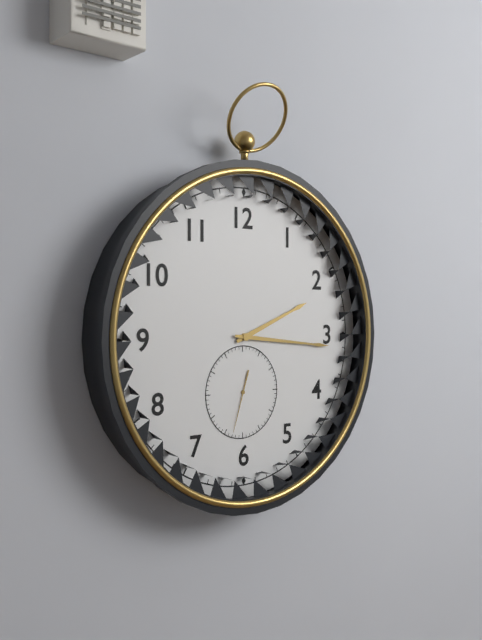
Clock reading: 2h16m33s
